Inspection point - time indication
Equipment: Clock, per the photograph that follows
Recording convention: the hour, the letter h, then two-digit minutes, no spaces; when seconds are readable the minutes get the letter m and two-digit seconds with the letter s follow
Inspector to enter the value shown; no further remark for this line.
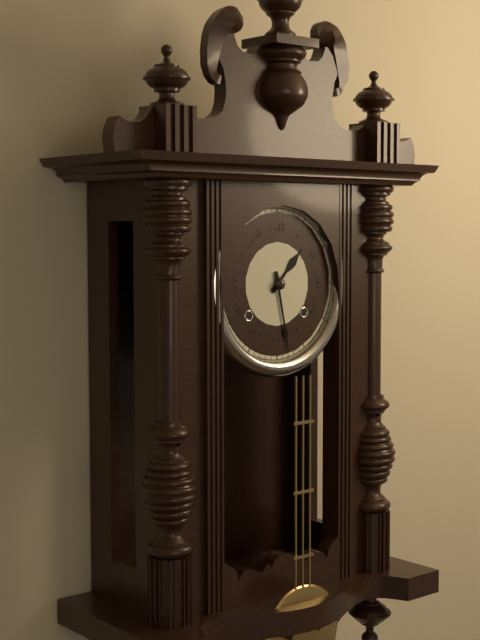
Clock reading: 1h28
